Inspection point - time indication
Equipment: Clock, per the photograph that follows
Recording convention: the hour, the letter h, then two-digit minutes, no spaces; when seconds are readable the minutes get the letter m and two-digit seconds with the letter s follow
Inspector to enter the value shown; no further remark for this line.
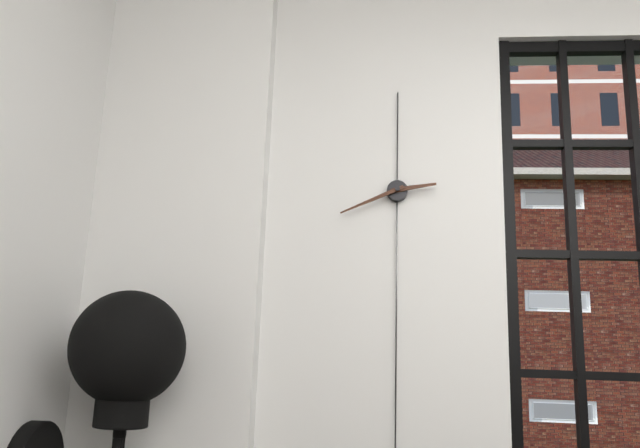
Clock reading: 2h41
